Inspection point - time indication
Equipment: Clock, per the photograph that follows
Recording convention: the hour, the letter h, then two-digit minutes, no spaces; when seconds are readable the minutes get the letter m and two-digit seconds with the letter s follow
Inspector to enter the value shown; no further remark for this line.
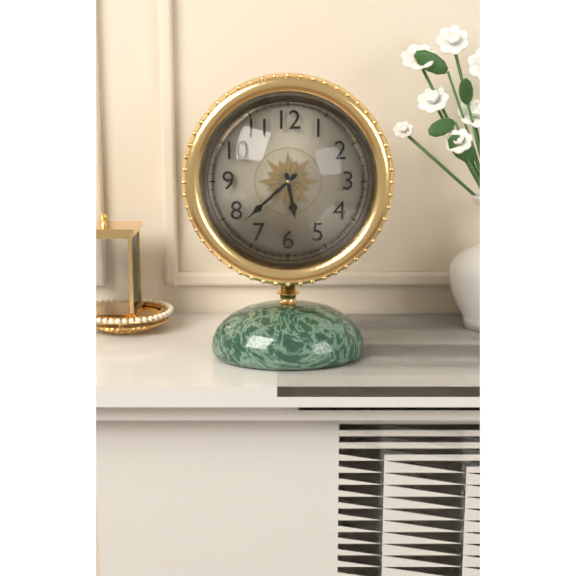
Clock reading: 5h38
